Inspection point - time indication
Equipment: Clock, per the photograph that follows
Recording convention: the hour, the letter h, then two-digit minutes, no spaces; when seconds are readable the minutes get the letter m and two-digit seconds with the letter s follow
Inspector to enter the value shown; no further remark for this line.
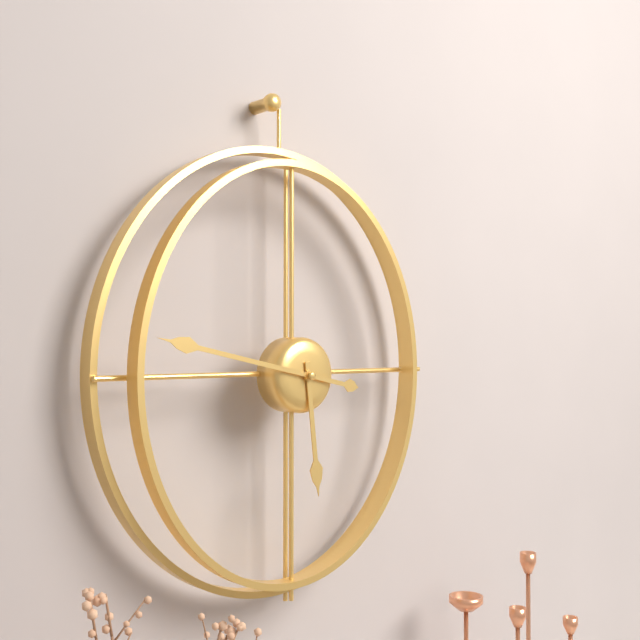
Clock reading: 5h47
